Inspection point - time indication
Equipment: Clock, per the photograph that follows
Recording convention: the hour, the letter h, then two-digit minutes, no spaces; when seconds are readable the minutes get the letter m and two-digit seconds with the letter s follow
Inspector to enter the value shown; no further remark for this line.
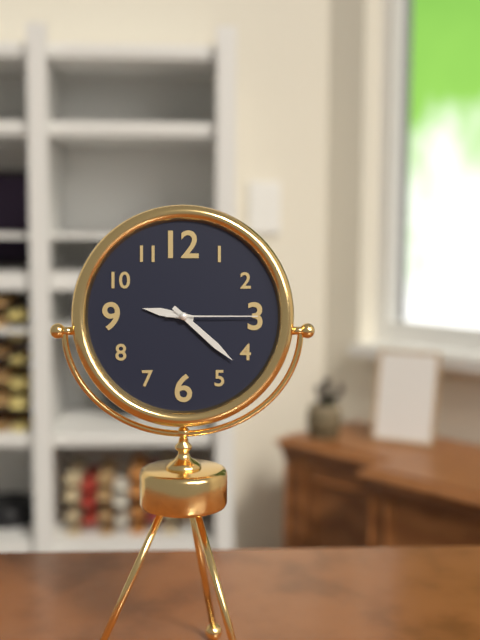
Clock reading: 9h22m15s
